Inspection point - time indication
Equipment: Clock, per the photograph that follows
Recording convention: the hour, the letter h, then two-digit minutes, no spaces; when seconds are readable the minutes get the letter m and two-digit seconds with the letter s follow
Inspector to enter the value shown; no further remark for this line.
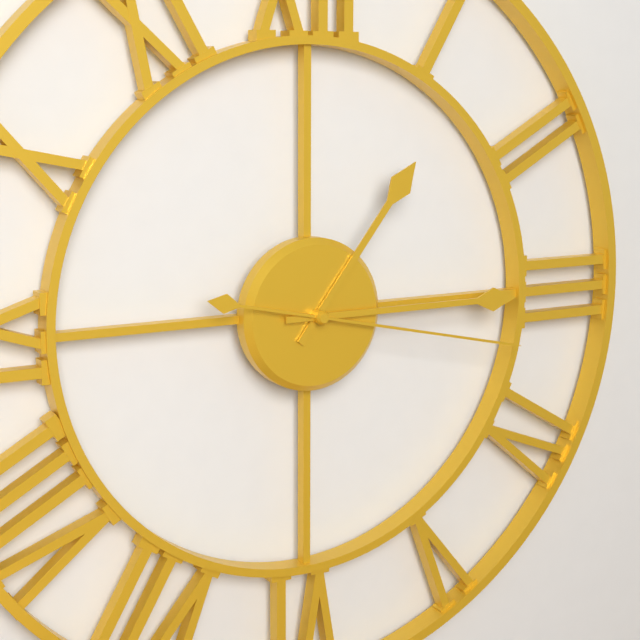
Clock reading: 1h15m17s
